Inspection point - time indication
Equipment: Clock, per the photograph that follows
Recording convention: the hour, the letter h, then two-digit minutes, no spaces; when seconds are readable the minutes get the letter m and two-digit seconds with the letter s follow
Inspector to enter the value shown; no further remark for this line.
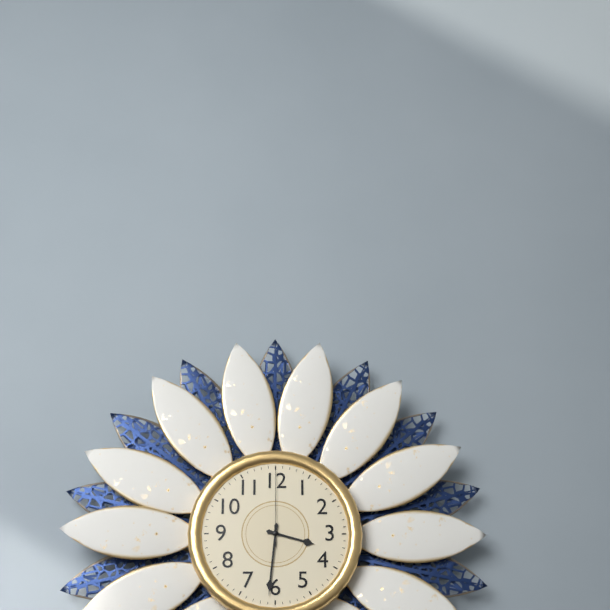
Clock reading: 3h31m00s
